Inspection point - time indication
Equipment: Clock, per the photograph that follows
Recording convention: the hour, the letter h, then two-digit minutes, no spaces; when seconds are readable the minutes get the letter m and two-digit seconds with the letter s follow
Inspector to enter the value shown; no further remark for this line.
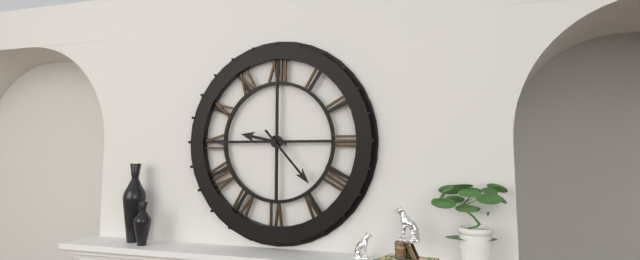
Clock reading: 9h23
